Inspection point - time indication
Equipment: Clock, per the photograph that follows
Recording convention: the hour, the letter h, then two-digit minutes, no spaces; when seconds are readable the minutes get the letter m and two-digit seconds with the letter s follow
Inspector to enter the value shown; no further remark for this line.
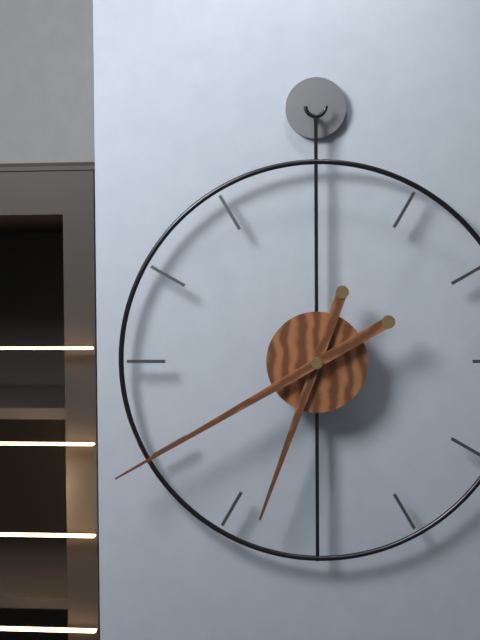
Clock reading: 6h40
